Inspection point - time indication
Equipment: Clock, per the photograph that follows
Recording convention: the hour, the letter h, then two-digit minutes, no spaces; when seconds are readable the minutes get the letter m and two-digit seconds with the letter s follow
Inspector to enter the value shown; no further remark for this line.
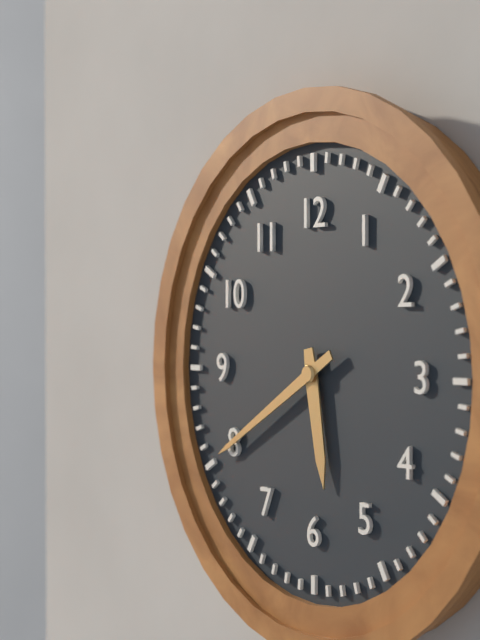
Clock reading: 5h40
